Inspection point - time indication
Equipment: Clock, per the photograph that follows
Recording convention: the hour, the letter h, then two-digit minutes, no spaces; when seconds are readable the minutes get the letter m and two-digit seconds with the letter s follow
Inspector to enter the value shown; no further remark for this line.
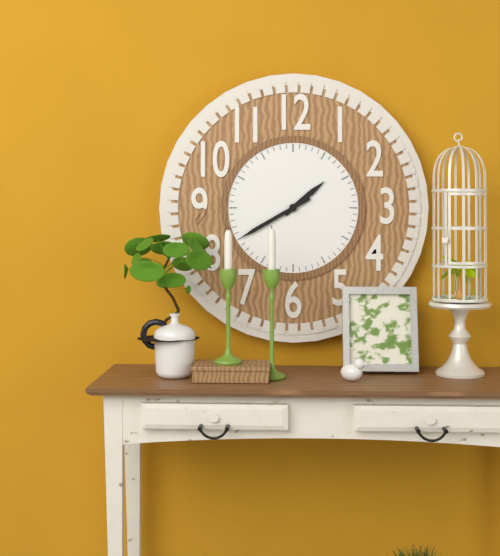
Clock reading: 1h40
